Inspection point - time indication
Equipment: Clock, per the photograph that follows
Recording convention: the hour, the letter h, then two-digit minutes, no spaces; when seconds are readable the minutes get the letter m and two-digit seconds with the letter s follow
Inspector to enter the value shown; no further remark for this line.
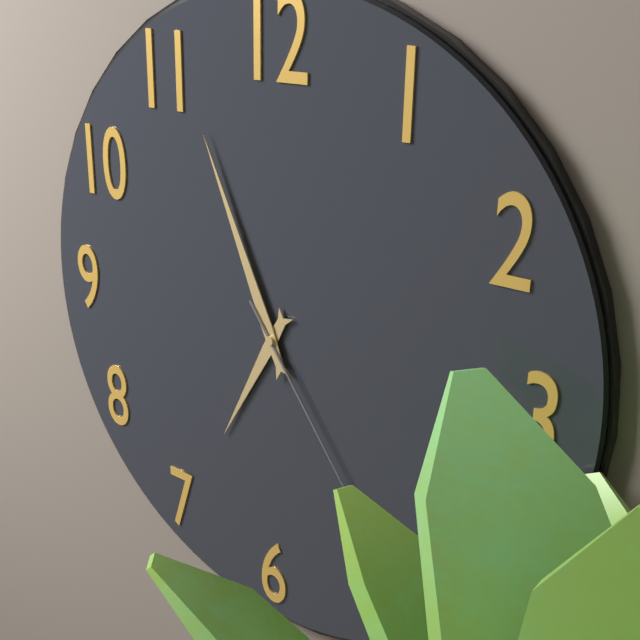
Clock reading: 6h56m24s
